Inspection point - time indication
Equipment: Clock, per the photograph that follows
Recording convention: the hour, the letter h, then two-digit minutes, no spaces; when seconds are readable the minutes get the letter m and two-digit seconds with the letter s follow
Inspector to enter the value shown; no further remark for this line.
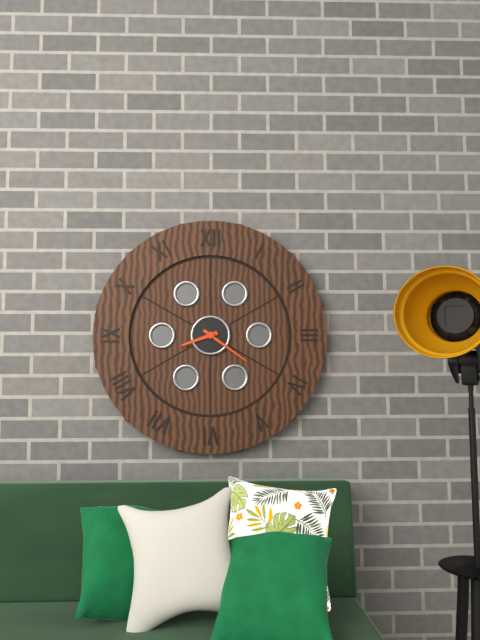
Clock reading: 8h21
